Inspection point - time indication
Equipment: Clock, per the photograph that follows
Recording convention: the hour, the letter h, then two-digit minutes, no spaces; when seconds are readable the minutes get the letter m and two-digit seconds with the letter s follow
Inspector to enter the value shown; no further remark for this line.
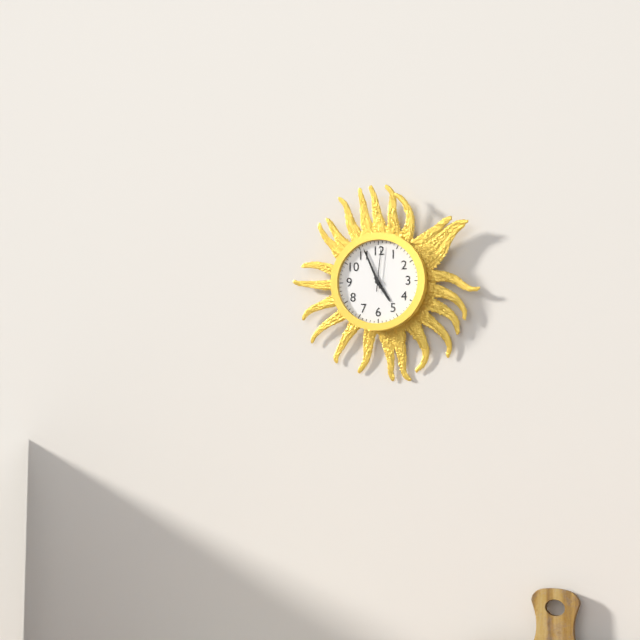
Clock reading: 4h56
